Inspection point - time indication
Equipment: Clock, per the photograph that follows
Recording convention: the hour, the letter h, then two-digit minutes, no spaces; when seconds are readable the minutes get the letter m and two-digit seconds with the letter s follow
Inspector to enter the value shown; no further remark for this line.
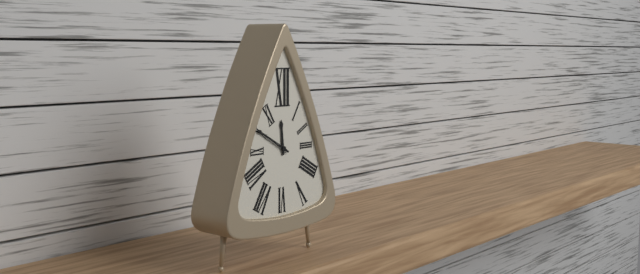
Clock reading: 11h50
